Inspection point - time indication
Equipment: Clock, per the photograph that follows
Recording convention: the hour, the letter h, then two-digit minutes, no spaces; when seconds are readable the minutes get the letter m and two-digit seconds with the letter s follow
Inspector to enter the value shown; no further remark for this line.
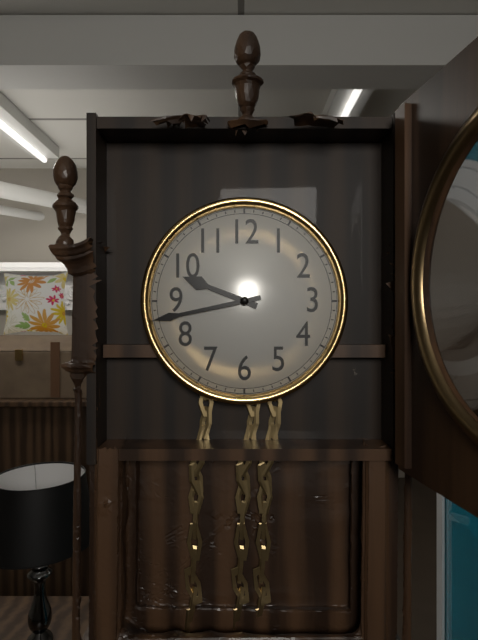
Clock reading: 9h43
